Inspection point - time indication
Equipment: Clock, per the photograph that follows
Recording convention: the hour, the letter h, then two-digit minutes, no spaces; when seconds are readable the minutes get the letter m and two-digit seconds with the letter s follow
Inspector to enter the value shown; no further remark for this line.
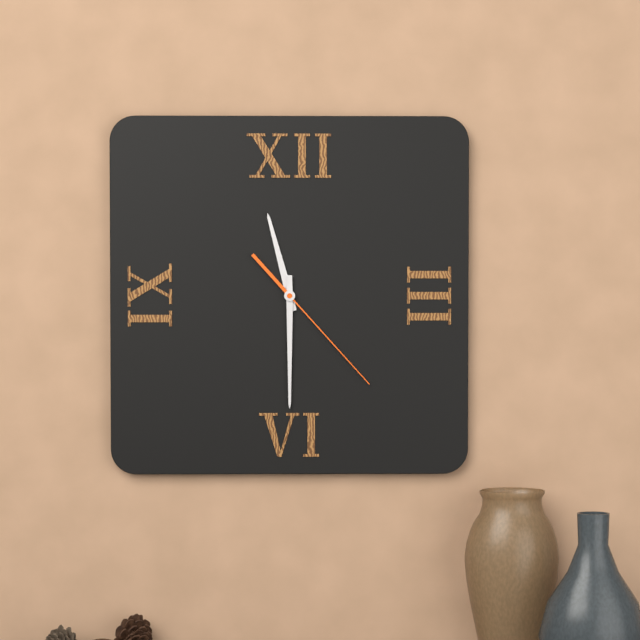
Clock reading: 11h30m23s
